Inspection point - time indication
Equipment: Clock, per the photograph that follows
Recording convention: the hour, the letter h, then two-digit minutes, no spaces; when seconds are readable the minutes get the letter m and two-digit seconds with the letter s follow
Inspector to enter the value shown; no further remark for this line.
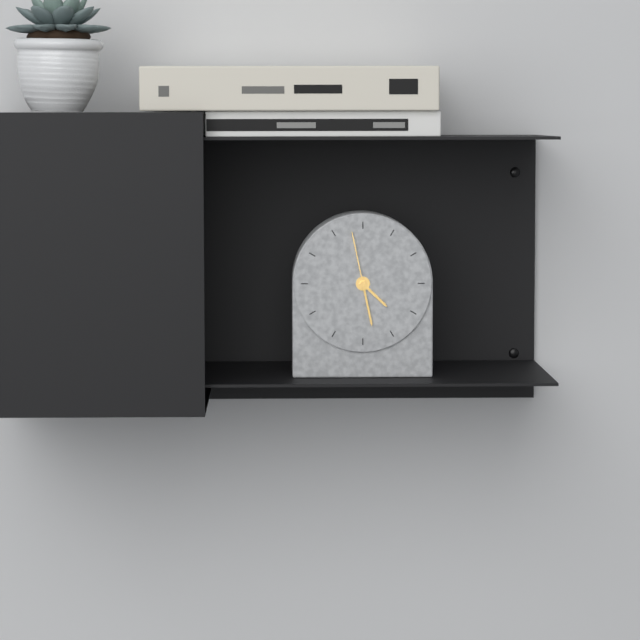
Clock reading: 4h28m58s
